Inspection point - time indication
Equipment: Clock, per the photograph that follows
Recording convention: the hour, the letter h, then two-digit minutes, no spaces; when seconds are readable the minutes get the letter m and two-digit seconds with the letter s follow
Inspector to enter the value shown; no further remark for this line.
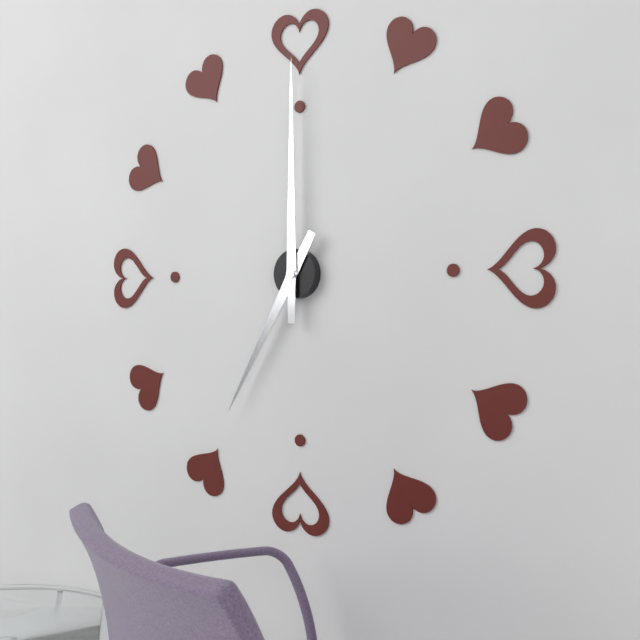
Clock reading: 7h00
